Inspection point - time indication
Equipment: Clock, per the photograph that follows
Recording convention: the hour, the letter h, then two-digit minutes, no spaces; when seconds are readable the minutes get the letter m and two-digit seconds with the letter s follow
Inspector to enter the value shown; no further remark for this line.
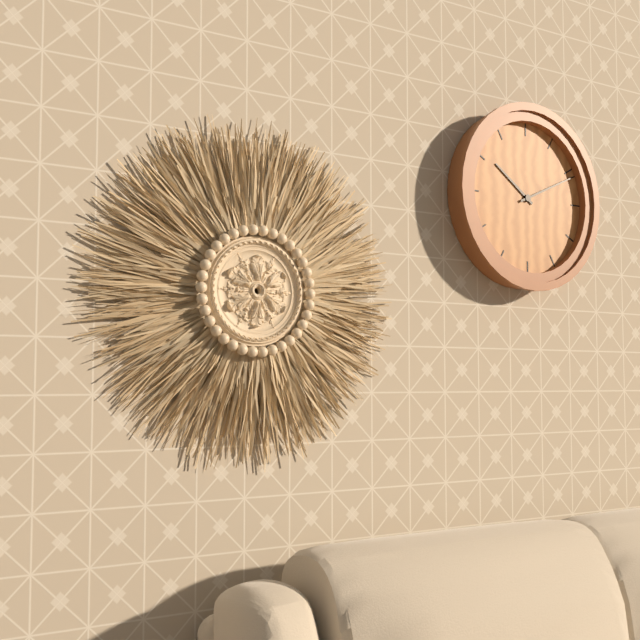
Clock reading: 10h11
